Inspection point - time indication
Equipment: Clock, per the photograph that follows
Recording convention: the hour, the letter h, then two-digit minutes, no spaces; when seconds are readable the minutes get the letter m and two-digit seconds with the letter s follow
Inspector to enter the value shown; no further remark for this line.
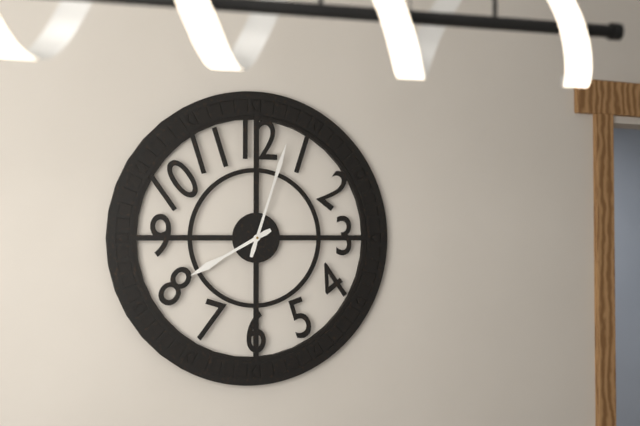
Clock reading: 8h03
